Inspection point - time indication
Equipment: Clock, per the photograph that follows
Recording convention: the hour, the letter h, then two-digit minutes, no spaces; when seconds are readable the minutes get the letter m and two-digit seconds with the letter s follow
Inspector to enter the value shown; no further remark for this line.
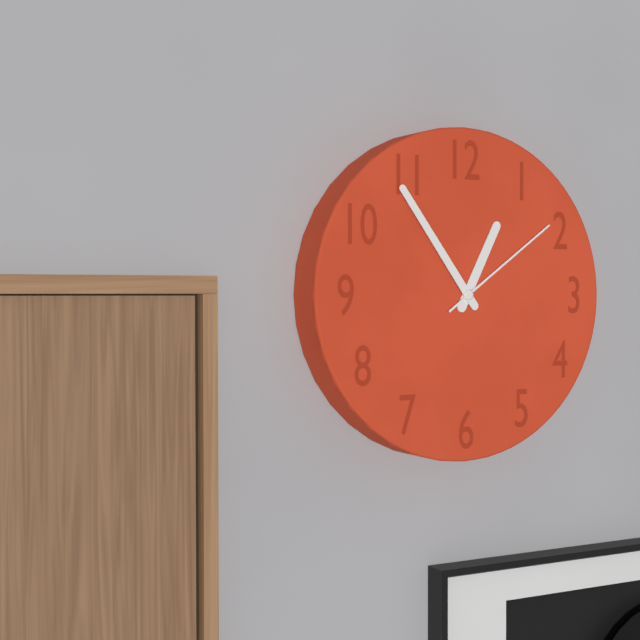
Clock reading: 12h54m09s
